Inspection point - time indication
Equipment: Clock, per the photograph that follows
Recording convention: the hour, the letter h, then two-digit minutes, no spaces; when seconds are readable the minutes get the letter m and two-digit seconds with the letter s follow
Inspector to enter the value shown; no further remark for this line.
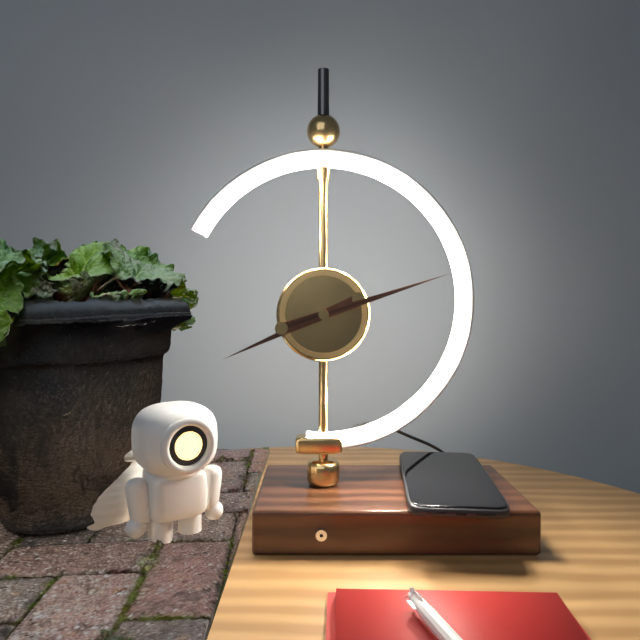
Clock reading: 8h12
